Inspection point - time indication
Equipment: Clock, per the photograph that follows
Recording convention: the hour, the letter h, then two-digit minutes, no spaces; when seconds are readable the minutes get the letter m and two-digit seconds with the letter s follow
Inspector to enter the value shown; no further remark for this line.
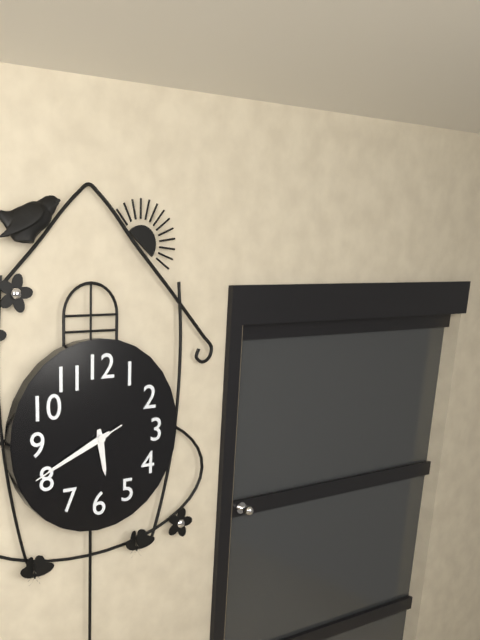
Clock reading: 5h41m41s
